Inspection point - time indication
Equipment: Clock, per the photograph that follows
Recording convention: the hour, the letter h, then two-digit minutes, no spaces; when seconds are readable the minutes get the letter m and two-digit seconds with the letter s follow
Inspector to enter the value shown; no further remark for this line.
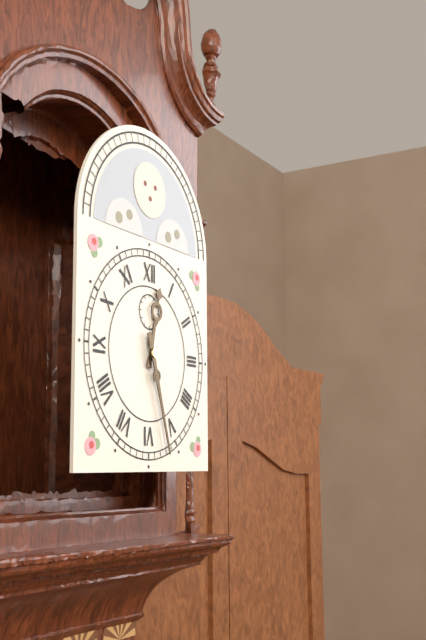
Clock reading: 12h27
